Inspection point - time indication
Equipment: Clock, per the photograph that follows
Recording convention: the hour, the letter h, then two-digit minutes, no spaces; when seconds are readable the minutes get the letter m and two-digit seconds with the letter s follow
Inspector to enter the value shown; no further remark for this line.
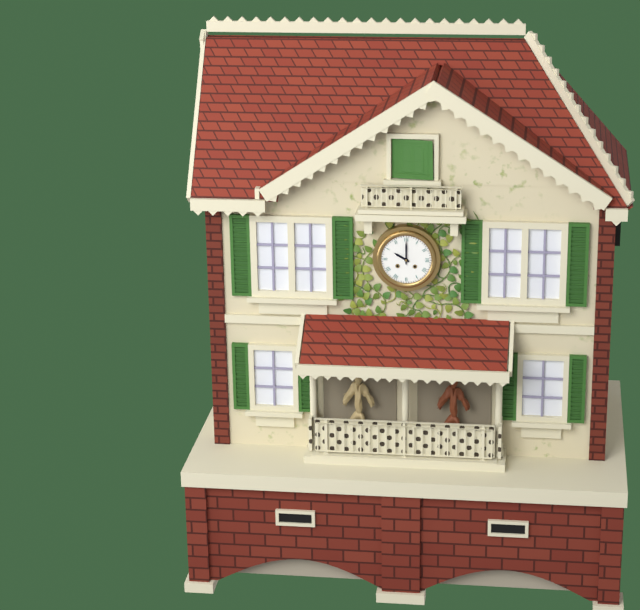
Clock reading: 10h00
